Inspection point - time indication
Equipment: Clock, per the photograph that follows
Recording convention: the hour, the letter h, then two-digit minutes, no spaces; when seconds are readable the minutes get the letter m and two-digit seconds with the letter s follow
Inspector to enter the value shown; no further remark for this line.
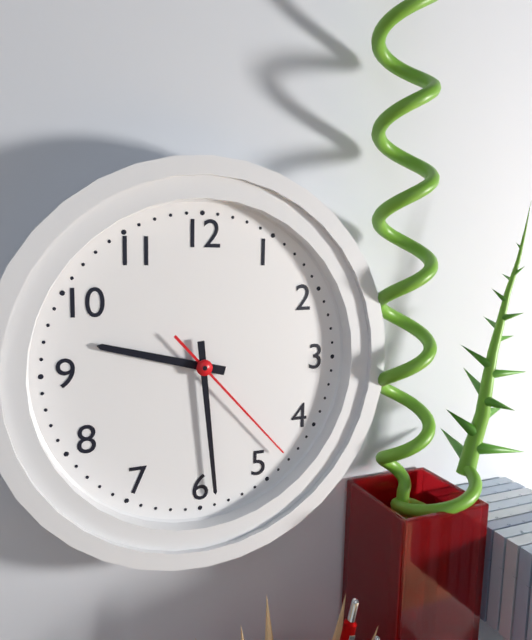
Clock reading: 9h29m23s
